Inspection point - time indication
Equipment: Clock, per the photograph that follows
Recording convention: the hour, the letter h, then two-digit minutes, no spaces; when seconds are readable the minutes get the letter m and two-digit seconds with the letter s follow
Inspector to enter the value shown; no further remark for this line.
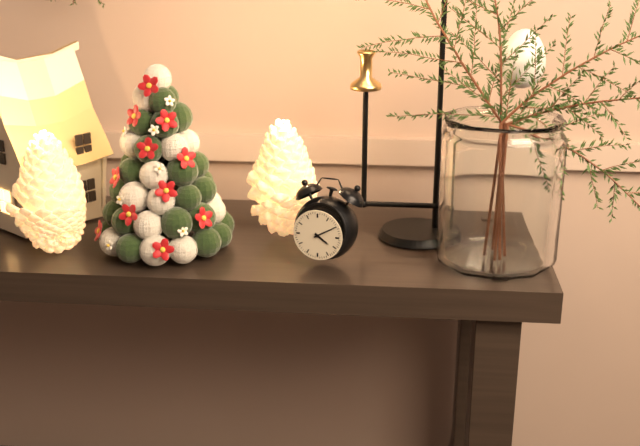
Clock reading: 4h10
